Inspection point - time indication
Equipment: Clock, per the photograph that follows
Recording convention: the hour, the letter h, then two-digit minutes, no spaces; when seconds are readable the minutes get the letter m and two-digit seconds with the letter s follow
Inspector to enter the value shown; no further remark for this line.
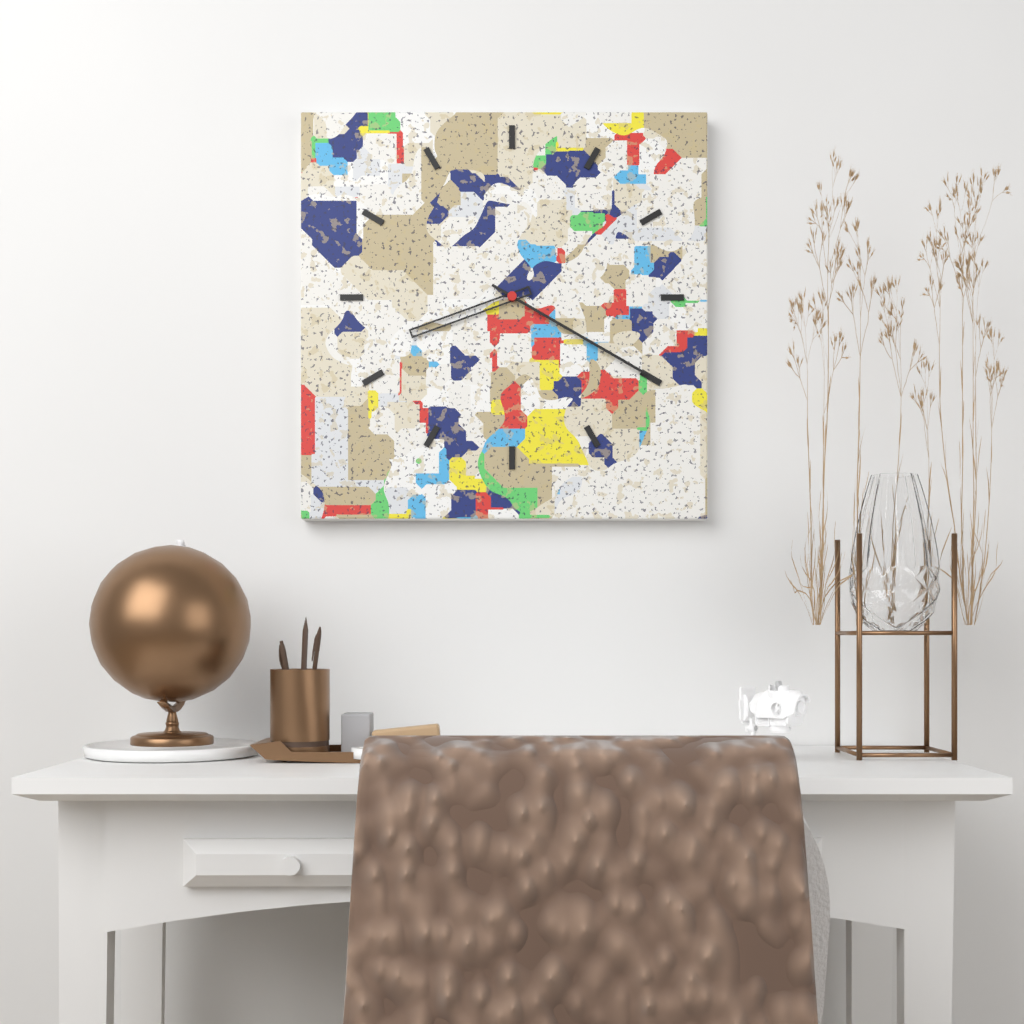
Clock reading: 8h20
